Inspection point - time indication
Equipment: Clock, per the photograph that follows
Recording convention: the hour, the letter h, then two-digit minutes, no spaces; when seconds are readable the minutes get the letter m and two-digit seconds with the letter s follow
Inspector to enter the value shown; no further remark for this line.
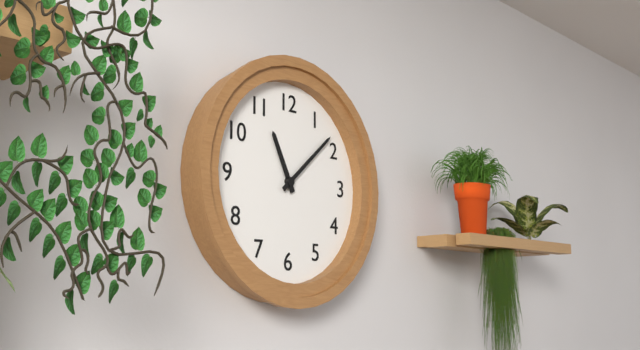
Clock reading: 11h08
